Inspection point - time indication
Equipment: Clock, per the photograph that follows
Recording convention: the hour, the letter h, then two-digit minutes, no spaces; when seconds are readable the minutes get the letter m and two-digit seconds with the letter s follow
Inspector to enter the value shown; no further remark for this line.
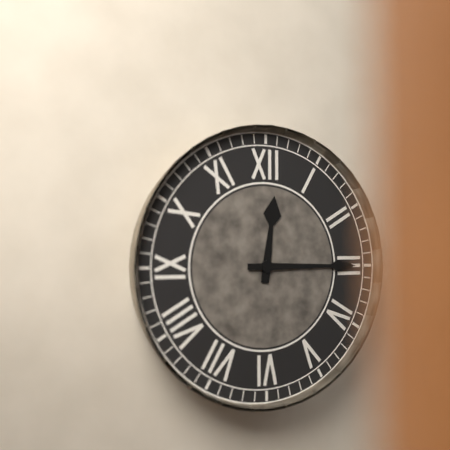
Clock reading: 12h15
